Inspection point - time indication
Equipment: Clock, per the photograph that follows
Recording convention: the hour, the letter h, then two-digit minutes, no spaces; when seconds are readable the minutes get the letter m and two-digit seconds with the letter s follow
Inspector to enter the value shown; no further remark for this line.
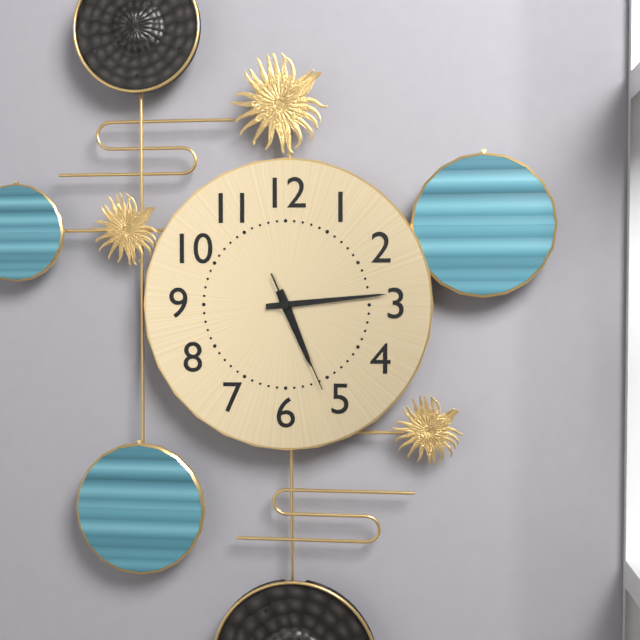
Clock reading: 5h14m26s
